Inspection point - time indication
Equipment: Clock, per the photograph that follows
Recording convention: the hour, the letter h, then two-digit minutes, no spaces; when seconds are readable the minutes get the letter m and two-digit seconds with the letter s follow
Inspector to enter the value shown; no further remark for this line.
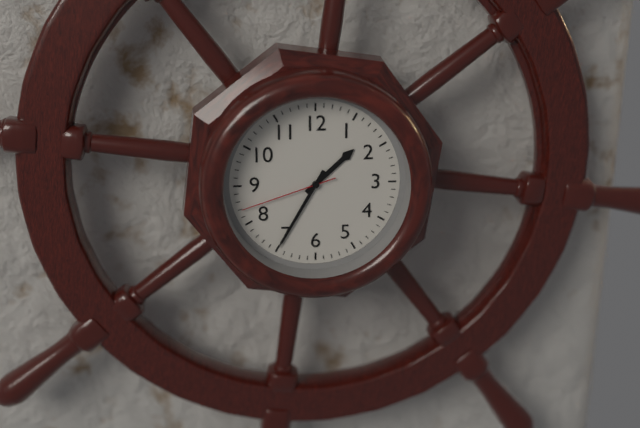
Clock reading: 1h35m42s
